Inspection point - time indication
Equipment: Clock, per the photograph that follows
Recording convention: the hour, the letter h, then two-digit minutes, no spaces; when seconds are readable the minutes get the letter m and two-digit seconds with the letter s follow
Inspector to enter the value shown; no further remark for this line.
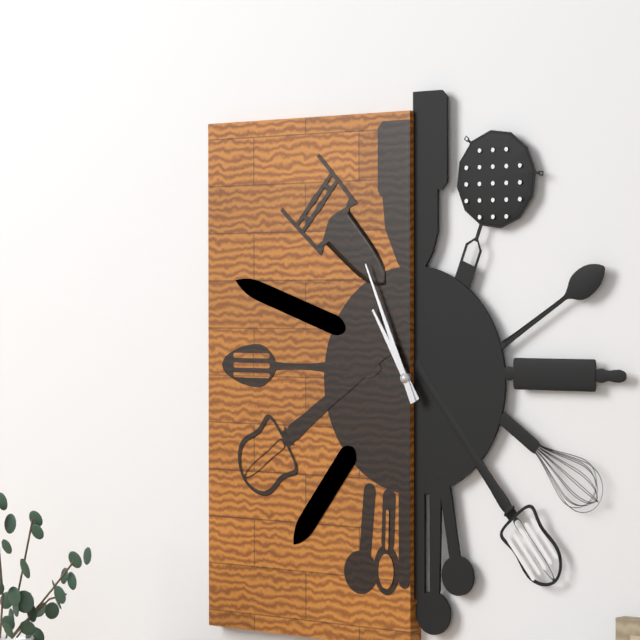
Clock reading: 10h56
